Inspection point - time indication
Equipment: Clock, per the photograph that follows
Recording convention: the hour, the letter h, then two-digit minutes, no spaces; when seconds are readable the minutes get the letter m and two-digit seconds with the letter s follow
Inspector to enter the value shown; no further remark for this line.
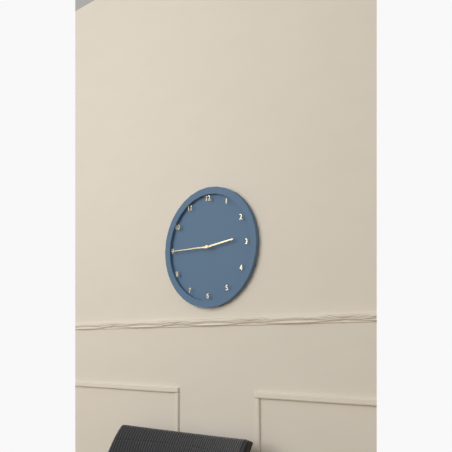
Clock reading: 2h45
